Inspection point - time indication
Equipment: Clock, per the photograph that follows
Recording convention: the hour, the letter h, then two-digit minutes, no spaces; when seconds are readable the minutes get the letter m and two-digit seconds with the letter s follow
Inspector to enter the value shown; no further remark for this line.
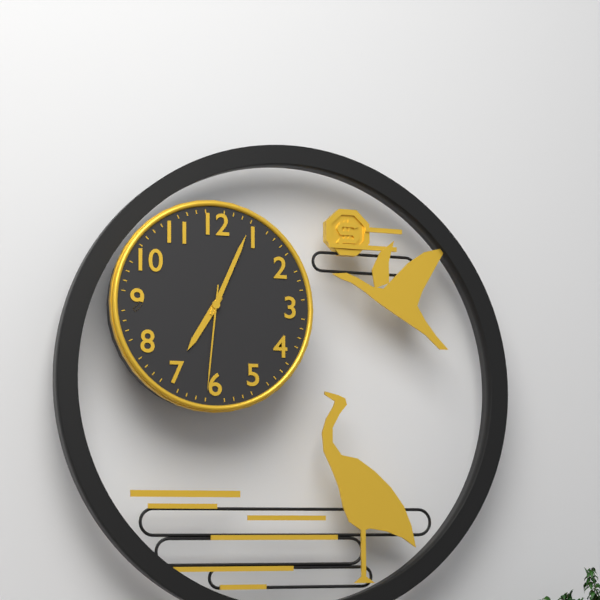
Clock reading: 7h04m31s
